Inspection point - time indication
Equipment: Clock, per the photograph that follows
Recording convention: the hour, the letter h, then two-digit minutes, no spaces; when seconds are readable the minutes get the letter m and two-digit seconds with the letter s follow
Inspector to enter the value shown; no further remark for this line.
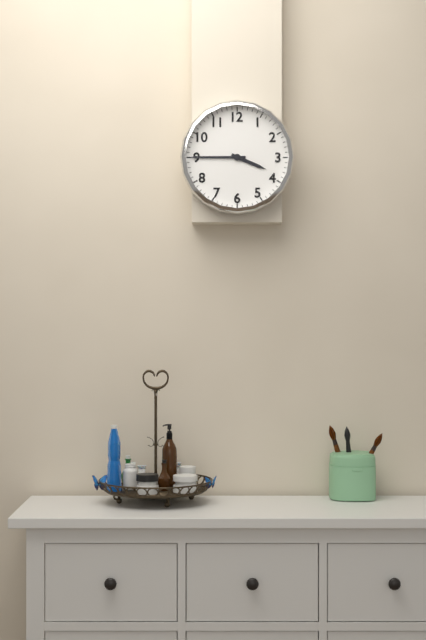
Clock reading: 3h45
